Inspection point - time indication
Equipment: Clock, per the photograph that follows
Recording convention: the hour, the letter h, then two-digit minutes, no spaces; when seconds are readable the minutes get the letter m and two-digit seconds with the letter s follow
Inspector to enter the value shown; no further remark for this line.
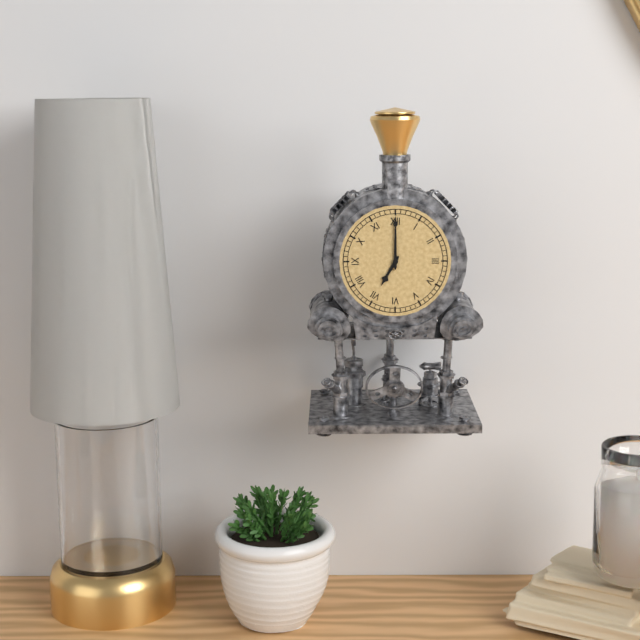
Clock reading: 7h00
